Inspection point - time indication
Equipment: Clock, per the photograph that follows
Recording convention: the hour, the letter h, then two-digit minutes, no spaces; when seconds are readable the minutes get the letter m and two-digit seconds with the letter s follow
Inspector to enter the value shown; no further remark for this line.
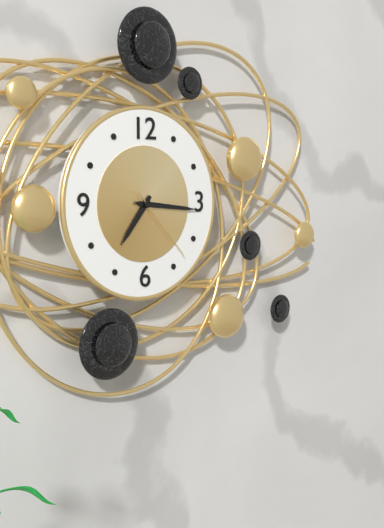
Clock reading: 7h16m23s
